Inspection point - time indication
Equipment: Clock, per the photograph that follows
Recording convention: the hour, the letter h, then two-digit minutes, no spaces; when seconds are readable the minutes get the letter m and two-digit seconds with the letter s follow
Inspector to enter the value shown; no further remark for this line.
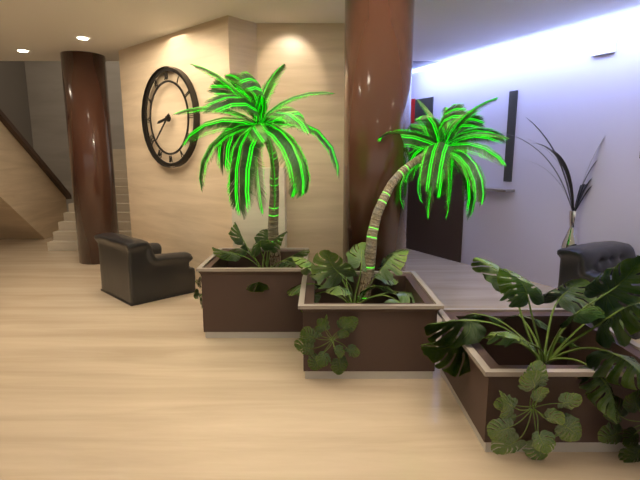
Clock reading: 8h38
